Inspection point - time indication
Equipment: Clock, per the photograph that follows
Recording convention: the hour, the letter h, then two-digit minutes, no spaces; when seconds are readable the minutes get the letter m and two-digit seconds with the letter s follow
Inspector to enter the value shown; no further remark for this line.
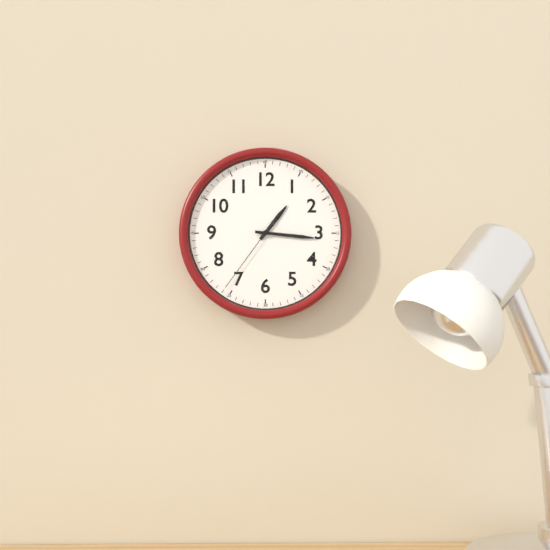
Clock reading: 1h16m36s
